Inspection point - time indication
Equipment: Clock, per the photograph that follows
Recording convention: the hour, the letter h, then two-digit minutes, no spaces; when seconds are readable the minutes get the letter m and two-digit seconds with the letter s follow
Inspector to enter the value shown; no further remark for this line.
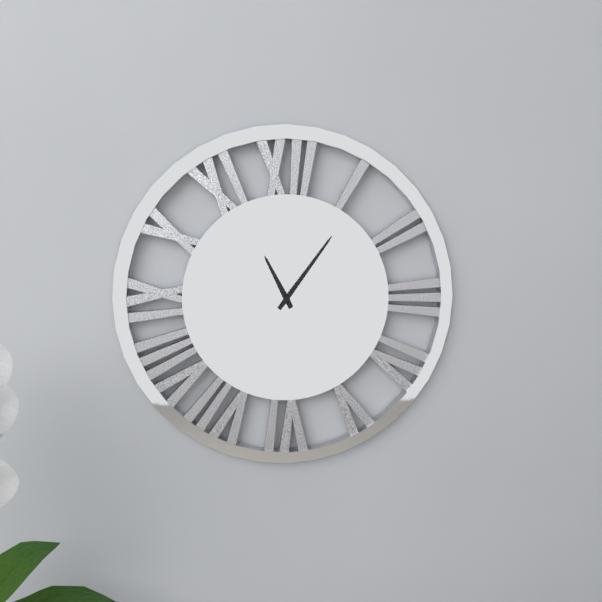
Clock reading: 11h06
